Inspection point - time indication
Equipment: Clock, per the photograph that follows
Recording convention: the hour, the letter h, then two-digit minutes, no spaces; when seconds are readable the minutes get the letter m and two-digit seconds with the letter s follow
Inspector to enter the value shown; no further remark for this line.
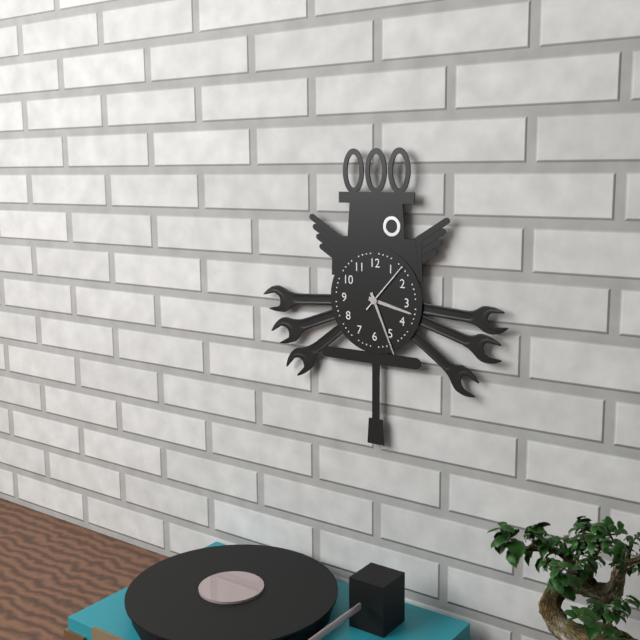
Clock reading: 3h26m07s
